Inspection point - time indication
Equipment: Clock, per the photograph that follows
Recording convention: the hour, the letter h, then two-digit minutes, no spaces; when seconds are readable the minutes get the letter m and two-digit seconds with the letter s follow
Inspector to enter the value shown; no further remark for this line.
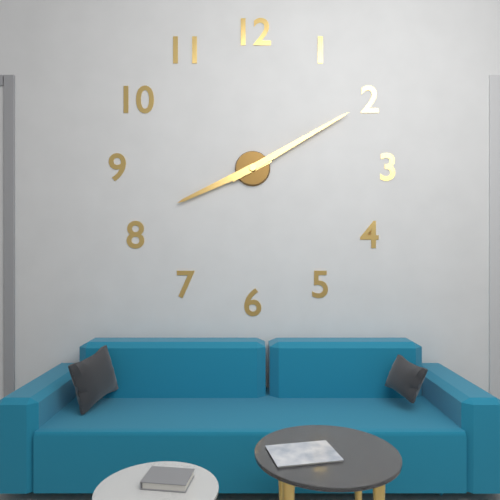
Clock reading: 8h10
